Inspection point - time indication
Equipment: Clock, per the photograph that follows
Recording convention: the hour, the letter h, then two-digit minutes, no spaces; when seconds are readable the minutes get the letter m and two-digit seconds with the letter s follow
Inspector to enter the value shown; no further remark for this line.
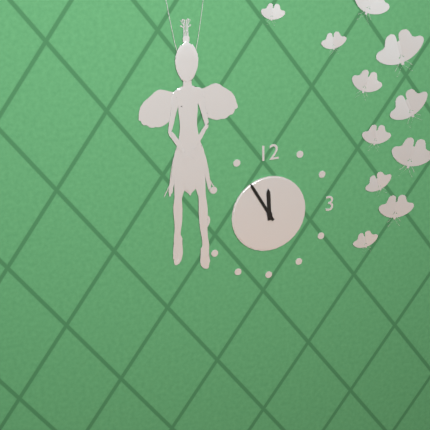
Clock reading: 11h55
